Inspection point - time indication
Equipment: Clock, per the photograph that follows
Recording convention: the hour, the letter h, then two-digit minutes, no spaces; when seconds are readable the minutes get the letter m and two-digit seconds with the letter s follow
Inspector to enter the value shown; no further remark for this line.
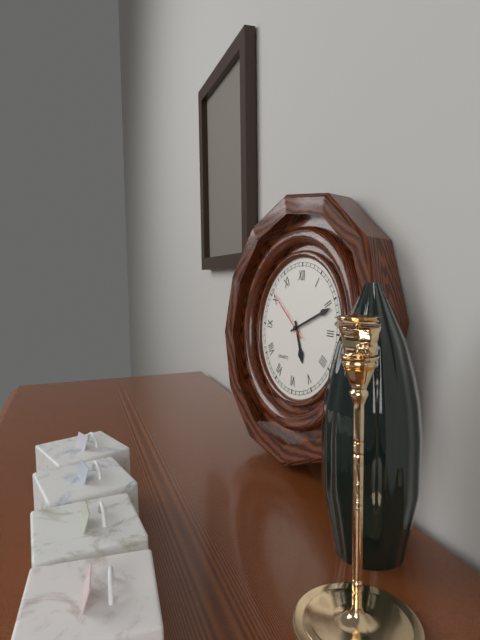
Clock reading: 5h11m51s
